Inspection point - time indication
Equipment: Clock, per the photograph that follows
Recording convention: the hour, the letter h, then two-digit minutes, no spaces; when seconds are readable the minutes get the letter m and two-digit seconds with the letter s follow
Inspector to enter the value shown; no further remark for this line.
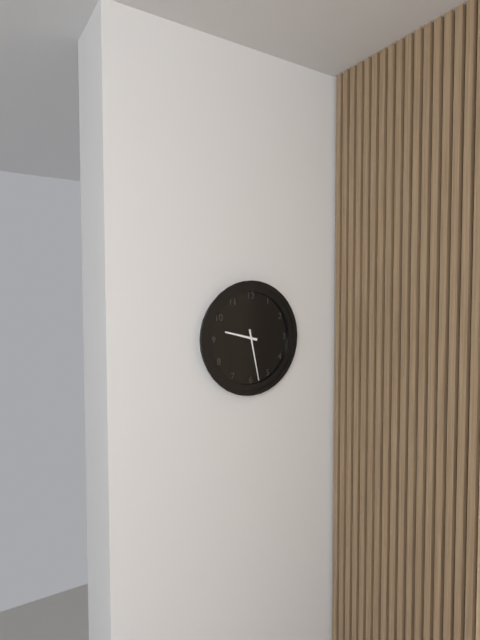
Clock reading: 9h28
